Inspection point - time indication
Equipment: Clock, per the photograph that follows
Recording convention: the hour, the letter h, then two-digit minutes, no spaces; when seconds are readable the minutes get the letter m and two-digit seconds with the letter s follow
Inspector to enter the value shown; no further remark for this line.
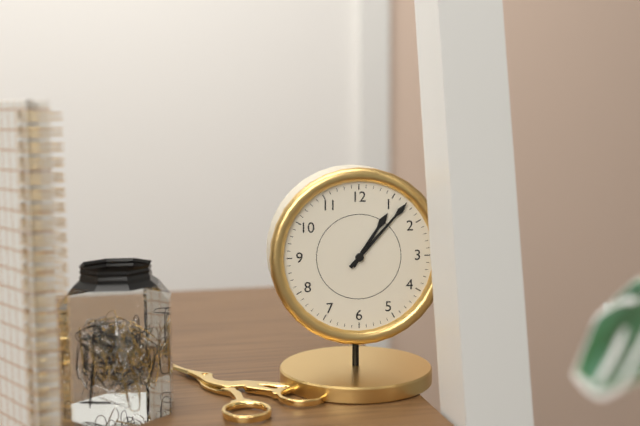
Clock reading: 1h07
